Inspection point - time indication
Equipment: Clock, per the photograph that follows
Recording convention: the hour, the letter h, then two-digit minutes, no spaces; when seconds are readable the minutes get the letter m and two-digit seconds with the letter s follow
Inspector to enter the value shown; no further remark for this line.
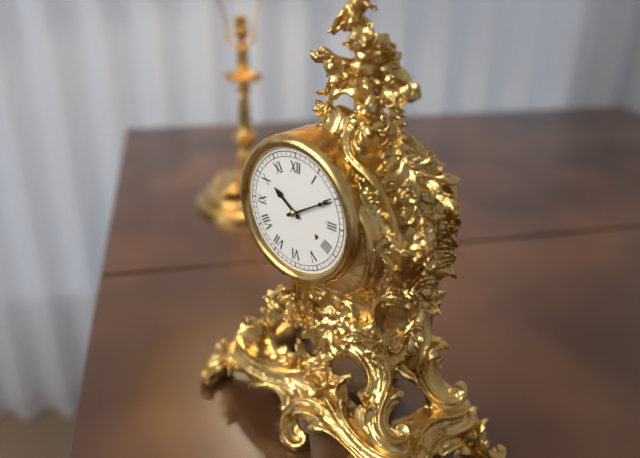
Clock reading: 10h10
